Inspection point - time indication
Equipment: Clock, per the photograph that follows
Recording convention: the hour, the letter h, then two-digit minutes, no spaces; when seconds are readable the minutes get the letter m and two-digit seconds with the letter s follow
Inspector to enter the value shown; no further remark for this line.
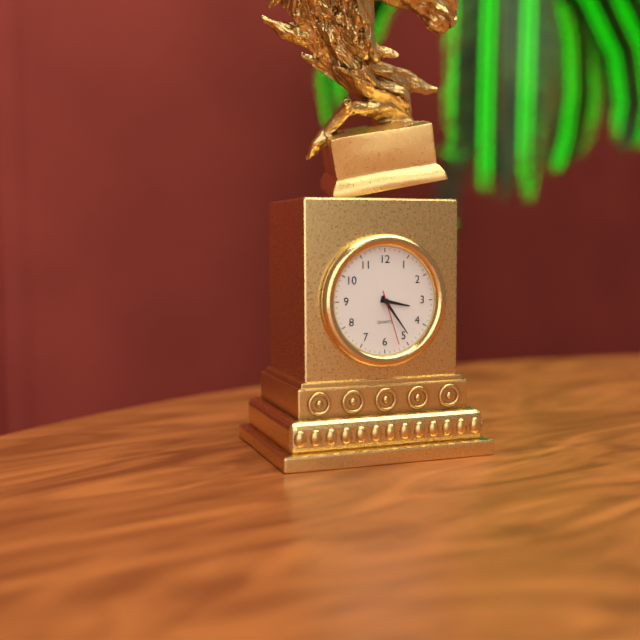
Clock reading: 3h24m27s
